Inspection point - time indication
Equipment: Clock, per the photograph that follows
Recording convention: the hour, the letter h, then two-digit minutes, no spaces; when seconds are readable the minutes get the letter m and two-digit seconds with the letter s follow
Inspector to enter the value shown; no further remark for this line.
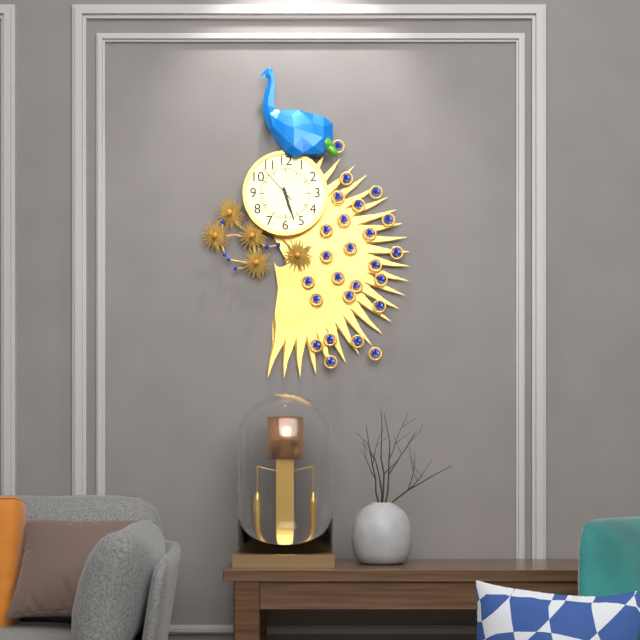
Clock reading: 5h27
